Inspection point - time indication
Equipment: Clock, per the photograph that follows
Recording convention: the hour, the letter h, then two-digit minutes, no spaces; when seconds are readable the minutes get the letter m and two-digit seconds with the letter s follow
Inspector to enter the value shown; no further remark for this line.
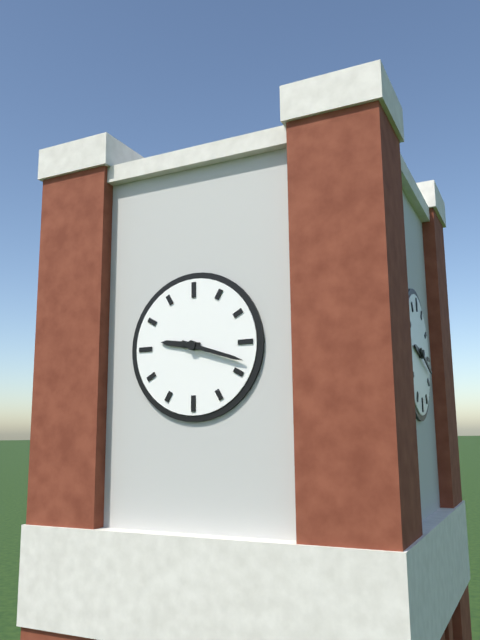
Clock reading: 9h18
